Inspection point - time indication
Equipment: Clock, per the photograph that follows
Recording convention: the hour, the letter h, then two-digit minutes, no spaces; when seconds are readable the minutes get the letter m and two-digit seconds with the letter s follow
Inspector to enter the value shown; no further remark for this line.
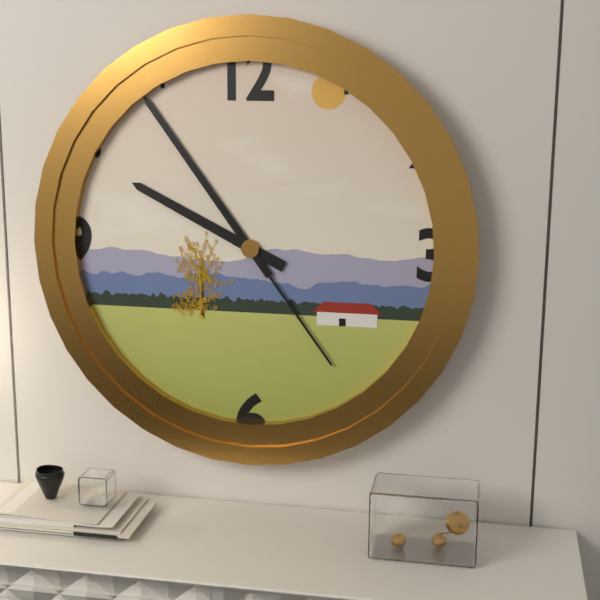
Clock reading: 9h54m24s
